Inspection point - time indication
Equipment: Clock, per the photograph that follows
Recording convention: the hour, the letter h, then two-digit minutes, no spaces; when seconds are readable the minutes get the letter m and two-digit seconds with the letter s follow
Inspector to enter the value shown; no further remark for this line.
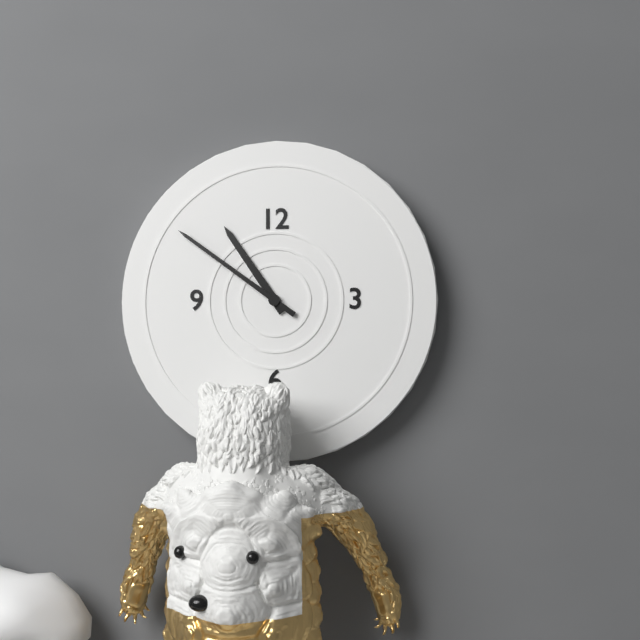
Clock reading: 10h51
